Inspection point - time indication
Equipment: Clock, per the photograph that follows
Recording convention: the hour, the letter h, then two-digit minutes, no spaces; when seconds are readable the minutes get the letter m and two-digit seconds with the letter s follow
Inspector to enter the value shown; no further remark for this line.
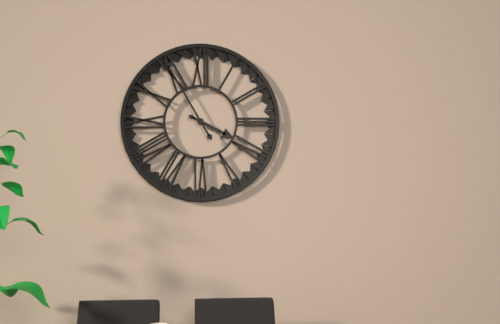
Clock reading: 3h55
